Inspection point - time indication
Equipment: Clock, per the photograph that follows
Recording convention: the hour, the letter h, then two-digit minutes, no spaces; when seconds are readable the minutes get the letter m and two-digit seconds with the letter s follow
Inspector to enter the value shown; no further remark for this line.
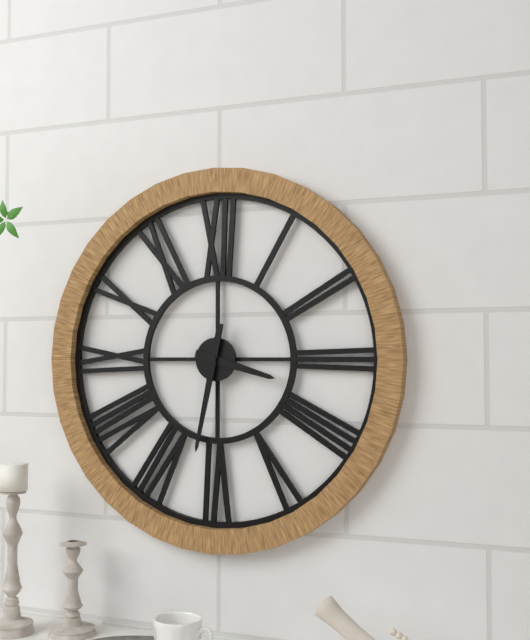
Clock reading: 3h32
